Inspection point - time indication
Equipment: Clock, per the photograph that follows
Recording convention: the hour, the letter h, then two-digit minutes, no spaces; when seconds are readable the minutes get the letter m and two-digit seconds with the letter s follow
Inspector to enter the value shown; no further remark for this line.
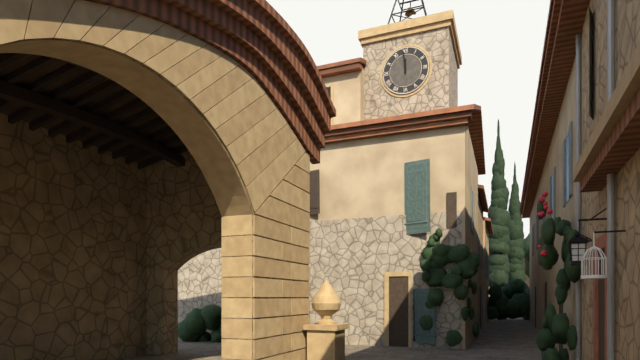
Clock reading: 11h59
